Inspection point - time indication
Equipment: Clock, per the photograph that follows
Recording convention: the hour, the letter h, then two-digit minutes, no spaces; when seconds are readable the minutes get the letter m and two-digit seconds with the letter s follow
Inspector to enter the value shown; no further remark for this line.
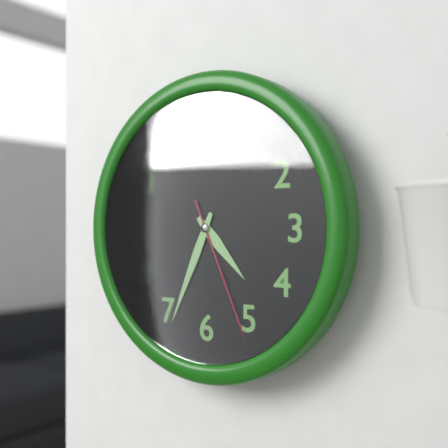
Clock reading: 4h34m26s
